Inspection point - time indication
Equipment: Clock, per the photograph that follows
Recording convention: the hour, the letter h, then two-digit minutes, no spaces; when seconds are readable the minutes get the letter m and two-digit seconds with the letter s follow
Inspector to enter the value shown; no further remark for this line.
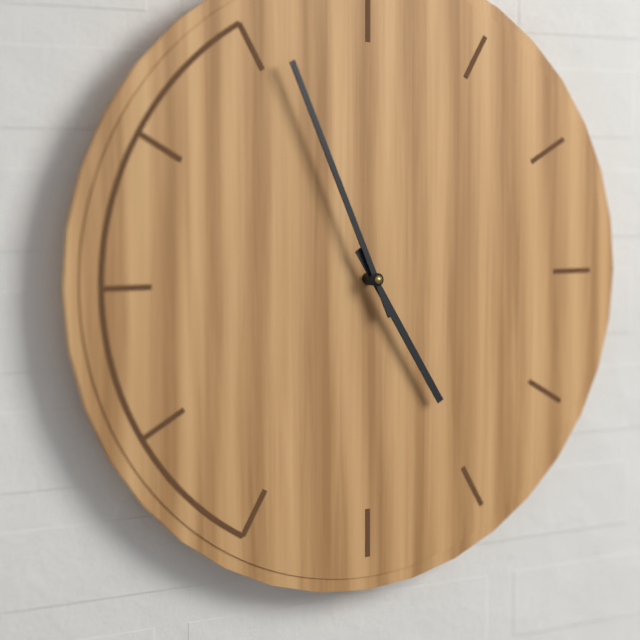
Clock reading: 4h56
